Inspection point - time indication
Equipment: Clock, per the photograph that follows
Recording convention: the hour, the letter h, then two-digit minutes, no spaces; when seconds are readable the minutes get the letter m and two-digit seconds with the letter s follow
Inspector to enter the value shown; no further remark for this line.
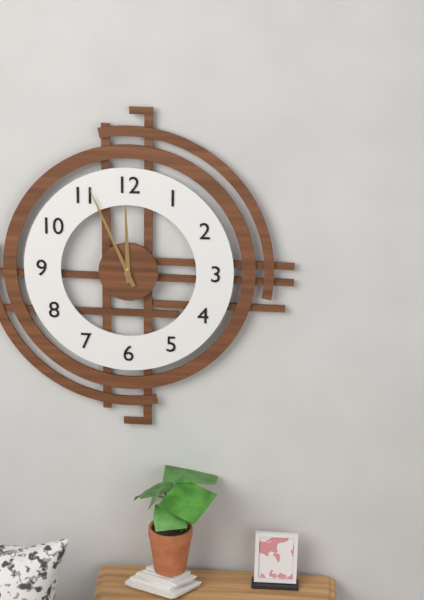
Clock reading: 11h56
